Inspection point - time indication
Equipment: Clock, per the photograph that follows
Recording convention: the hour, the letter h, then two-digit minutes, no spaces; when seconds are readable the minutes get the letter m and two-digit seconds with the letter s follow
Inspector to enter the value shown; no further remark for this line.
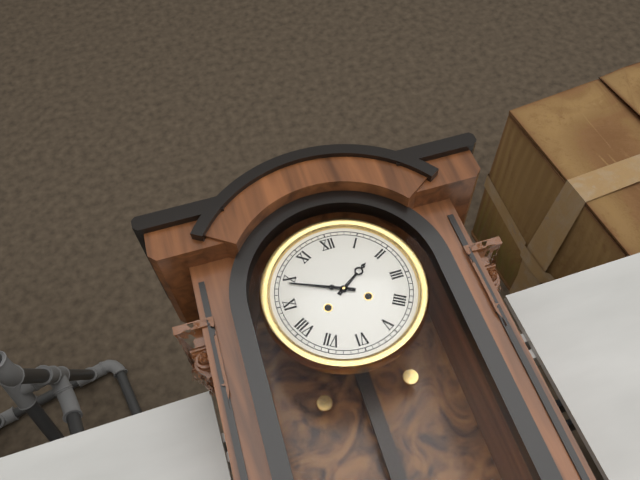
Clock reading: 1h49
